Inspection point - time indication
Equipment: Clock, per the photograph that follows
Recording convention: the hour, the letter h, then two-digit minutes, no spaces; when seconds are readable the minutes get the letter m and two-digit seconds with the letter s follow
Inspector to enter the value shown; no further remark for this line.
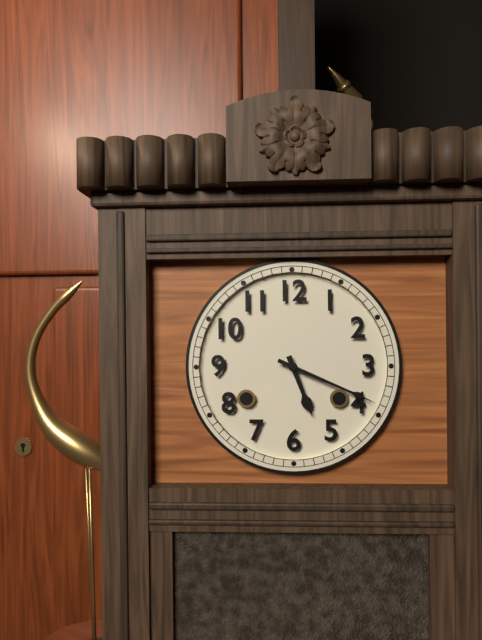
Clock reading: 5h19
